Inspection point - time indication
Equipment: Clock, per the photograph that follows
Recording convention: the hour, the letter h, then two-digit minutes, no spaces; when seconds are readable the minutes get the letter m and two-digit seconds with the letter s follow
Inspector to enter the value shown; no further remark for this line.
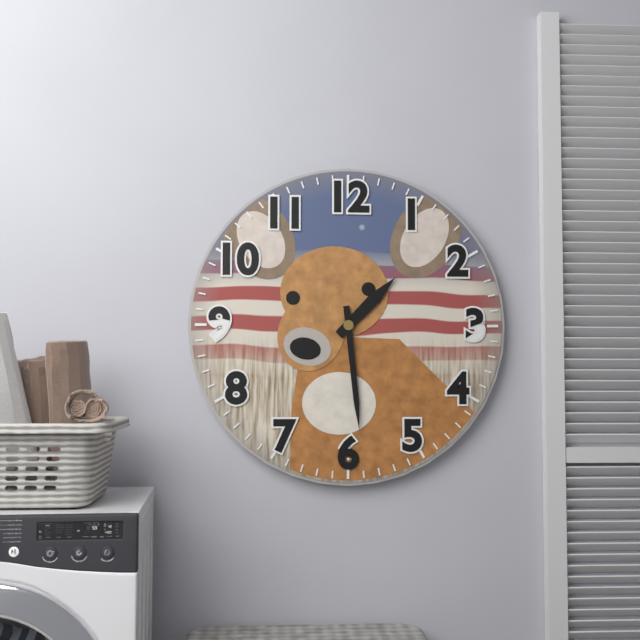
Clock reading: 1h29
